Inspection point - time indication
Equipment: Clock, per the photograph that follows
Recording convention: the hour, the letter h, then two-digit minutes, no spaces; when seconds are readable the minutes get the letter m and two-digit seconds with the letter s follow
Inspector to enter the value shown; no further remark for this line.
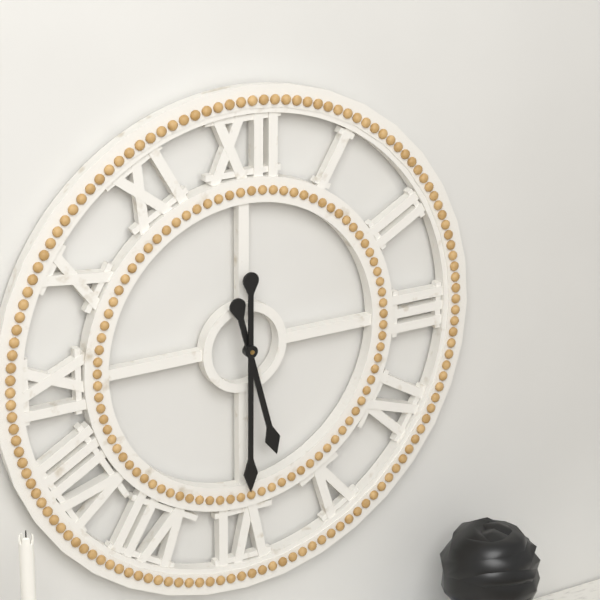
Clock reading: 5h30
